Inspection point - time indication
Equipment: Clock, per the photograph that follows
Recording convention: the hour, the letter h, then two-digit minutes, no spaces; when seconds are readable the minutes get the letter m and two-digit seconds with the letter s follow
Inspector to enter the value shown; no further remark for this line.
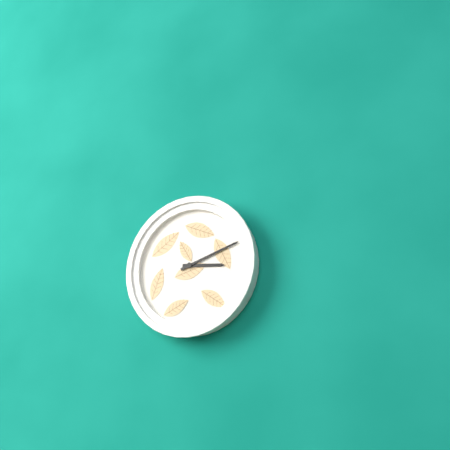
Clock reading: 3h12
